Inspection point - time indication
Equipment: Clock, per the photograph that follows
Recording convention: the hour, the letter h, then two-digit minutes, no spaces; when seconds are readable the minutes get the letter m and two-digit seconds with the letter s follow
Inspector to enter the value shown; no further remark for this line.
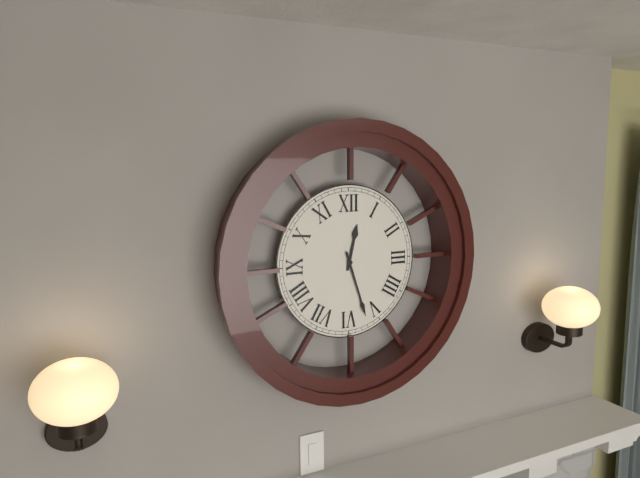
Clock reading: 12h27
